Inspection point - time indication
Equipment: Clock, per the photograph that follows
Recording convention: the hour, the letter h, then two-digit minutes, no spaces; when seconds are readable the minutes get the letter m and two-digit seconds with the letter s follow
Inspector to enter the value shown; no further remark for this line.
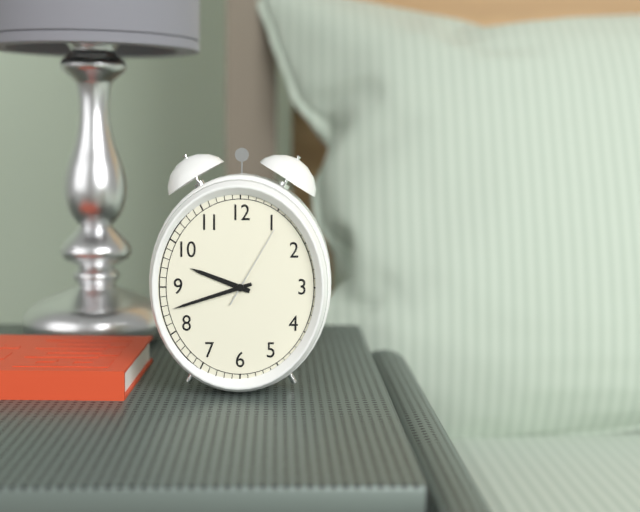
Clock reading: 9h42m05s
